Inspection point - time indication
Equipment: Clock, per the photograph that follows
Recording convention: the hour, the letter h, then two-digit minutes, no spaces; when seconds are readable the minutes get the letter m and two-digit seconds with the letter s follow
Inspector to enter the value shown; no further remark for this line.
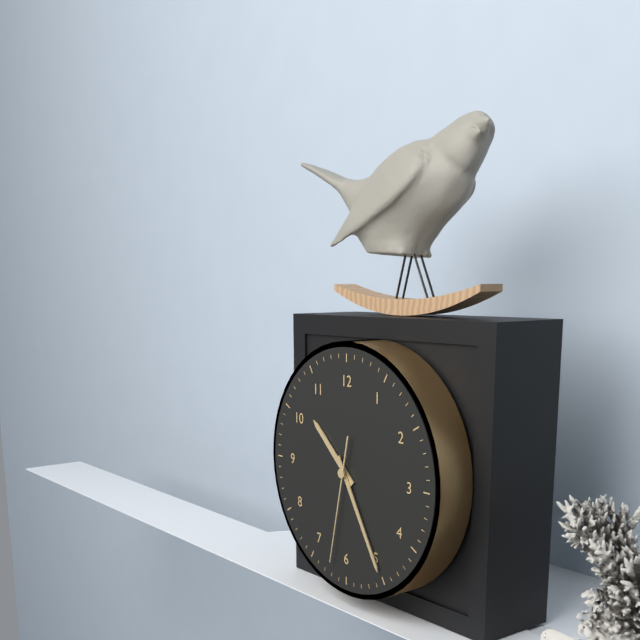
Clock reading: 10h25m32s
